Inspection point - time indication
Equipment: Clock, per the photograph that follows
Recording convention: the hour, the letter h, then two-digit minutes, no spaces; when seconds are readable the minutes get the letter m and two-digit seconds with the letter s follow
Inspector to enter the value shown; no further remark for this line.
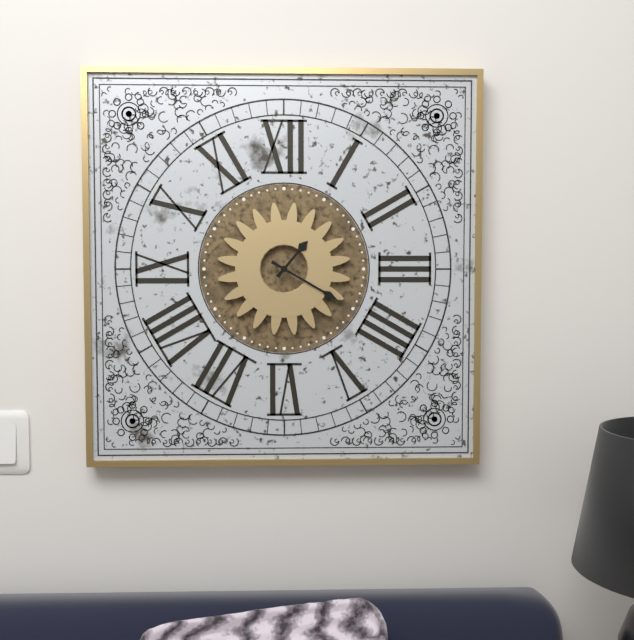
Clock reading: 1h20
